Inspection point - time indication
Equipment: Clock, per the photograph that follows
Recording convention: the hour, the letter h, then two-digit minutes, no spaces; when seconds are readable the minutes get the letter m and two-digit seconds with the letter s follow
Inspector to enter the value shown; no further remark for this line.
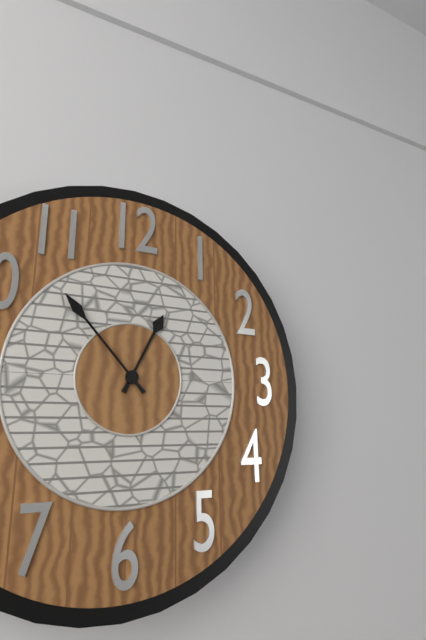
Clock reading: 12h53
